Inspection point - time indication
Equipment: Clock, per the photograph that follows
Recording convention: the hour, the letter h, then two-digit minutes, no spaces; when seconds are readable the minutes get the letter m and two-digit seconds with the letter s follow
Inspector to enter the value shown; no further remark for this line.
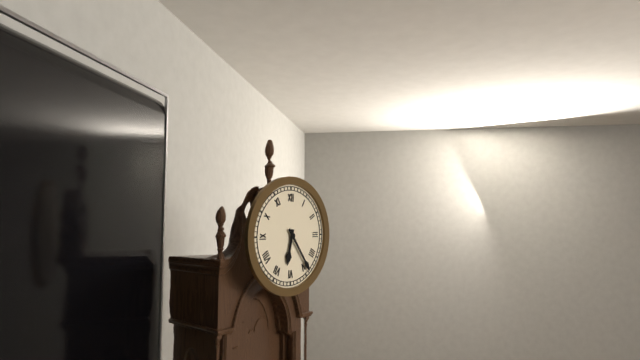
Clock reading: 6h24
